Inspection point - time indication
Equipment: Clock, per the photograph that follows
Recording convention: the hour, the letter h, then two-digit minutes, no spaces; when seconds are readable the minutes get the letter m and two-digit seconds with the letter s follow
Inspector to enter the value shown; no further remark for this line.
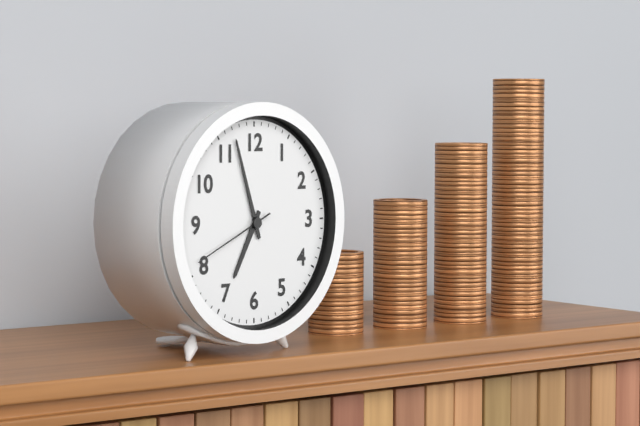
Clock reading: 6h57m41s
